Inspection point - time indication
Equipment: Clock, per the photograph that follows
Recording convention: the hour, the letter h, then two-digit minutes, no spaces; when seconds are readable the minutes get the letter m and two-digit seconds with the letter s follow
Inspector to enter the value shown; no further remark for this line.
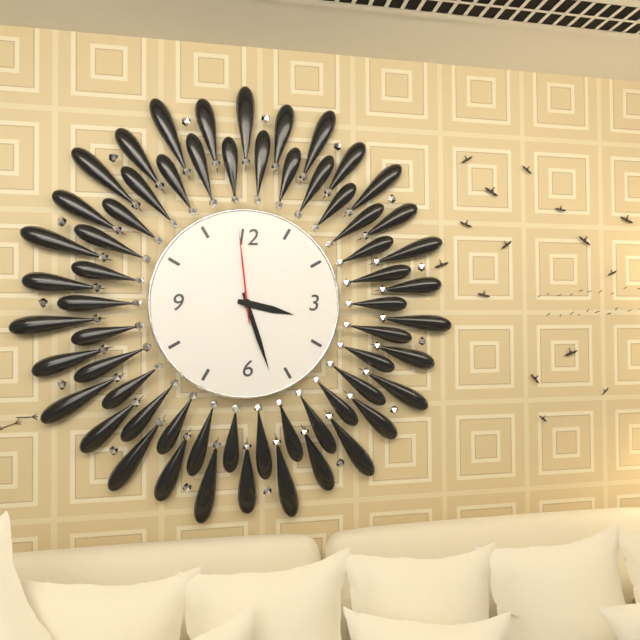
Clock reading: 3h27m59s
